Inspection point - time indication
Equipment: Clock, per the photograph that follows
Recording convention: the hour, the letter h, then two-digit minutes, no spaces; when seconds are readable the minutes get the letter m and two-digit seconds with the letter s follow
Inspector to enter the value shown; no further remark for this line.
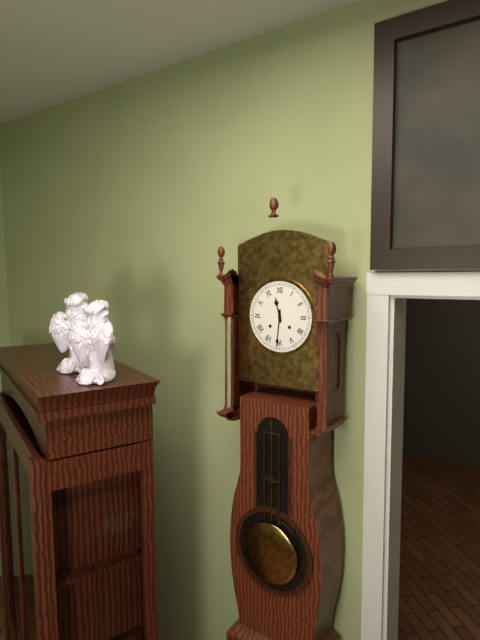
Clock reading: 11h31
